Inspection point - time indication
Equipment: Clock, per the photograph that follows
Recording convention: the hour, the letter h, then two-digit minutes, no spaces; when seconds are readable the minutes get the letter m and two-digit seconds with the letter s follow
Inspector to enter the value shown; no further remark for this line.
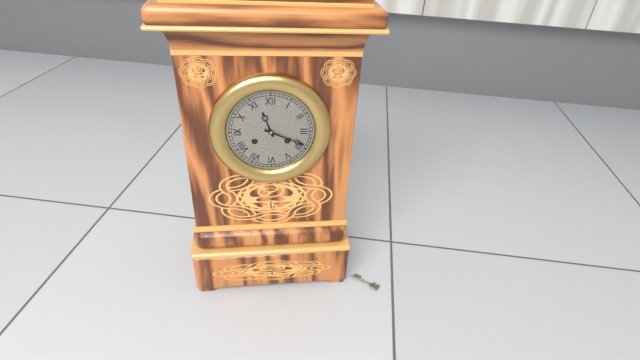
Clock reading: 11h19
